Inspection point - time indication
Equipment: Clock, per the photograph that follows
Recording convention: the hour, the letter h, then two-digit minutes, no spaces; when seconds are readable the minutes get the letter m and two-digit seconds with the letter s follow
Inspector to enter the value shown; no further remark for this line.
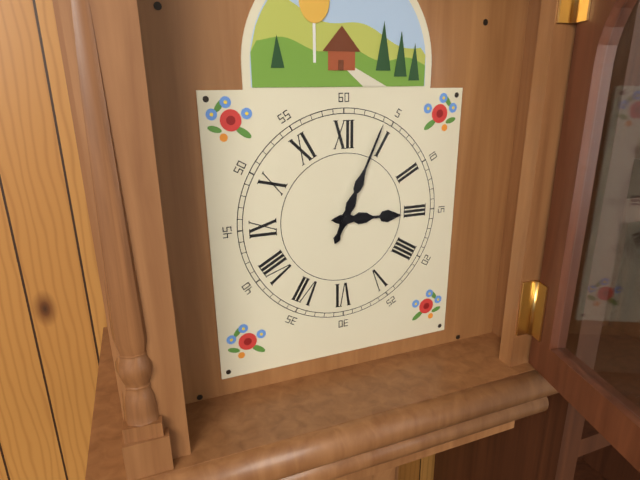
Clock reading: 3h04
